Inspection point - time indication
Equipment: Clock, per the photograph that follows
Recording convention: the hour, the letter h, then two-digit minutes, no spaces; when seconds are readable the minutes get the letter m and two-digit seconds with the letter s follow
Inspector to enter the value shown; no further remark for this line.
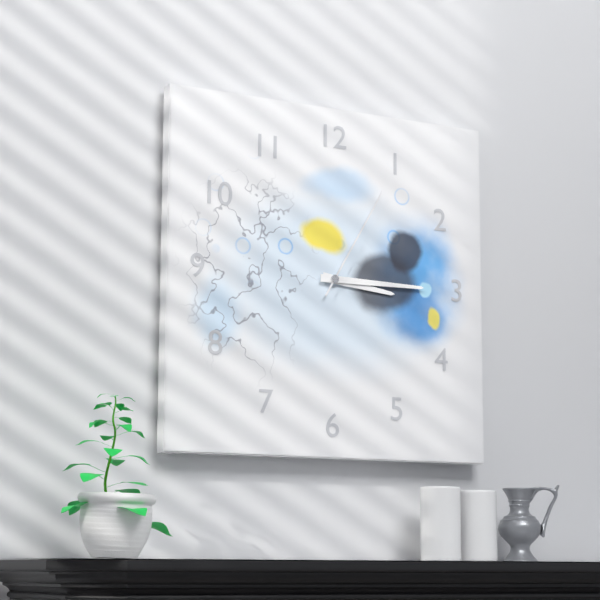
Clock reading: 3h15m05s
